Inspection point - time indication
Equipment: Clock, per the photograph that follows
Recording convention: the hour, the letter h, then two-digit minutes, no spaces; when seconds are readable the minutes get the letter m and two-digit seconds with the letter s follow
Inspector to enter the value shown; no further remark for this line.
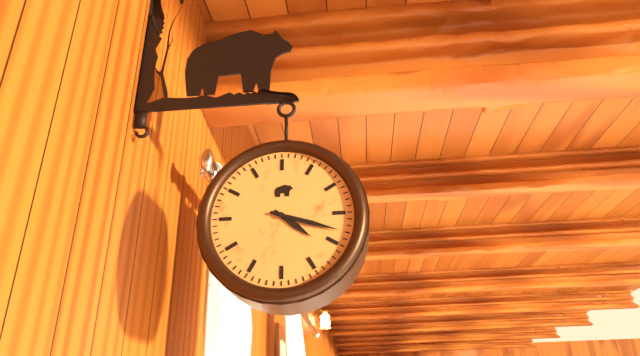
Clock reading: 4h18
